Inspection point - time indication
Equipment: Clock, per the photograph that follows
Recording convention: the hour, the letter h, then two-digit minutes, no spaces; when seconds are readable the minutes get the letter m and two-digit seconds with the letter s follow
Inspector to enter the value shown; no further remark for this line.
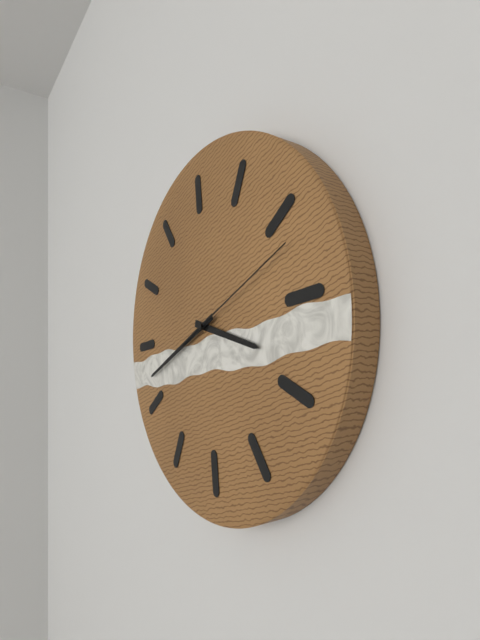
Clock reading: 3h42m12s
